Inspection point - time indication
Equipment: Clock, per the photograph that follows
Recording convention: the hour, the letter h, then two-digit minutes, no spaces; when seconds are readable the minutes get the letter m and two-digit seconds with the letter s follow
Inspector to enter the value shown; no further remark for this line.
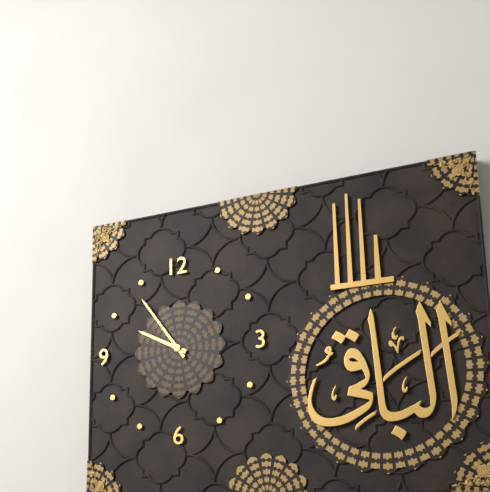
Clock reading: 9h54
